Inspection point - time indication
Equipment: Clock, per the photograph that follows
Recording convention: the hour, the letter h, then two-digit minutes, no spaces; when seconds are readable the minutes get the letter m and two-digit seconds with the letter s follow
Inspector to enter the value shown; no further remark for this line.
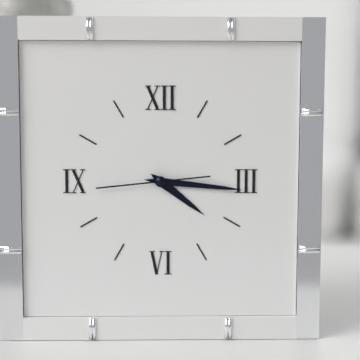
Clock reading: 4h16m44s
